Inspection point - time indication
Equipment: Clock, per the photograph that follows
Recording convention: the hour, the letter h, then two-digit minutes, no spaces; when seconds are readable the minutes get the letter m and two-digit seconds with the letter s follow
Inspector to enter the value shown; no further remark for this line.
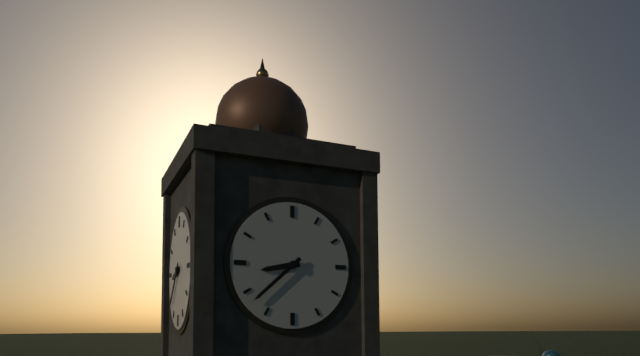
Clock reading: 8h38
